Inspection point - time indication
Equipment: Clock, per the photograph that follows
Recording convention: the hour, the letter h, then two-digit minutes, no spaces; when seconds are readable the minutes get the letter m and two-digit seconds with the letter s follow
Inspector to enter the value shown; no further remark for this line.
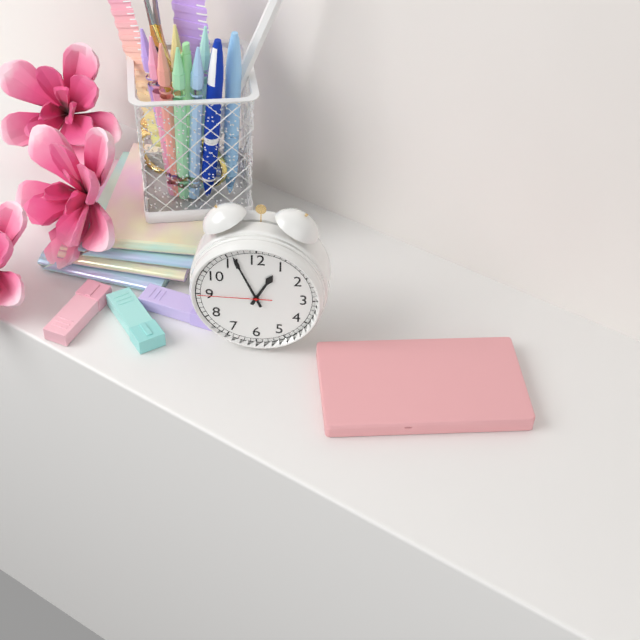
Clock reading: 12h56m45s
